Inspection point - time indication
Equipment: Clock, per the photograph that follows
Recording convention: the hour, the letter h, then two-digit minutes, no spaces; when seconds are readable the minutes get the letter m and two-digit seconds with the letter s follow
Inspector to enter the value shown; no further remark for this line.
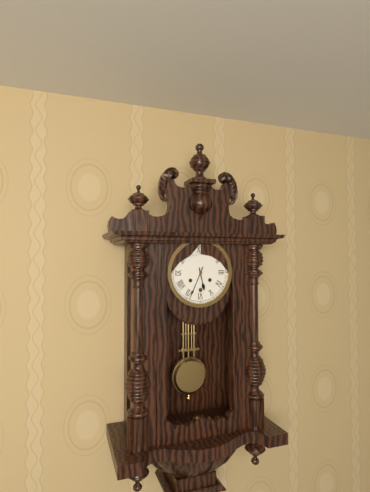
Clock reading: 5h34
